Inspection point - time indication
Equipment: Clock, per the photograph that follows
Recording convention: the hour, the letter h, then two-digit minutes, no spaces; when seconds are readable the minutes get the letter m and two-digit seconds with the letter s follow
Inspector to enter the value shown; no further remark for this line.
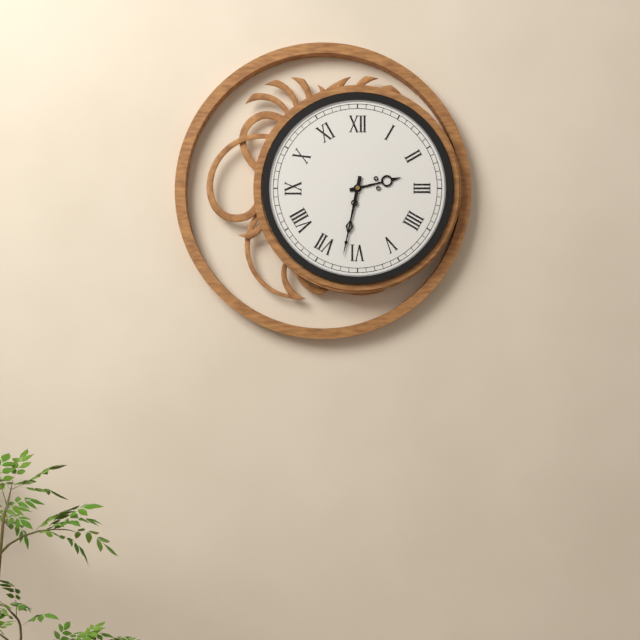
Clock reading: 2h32
